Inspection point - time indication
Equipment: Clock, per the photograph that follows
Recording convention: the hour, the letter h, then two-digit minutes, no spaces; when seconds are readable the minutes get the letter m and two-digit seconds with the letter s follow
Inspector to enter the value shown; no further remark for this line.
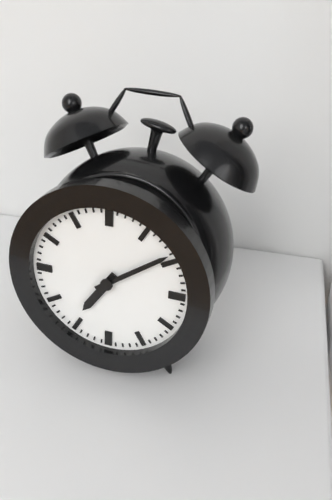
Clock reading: 7h09
